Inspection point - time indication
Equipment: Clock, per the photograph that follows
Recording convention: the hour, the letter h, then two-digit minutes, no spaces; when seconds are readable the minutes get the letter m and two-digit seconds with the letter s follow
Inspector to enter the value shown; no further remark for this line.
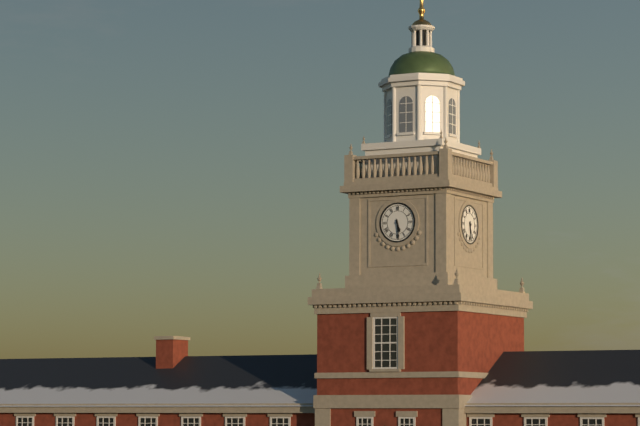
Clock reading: 5h29
